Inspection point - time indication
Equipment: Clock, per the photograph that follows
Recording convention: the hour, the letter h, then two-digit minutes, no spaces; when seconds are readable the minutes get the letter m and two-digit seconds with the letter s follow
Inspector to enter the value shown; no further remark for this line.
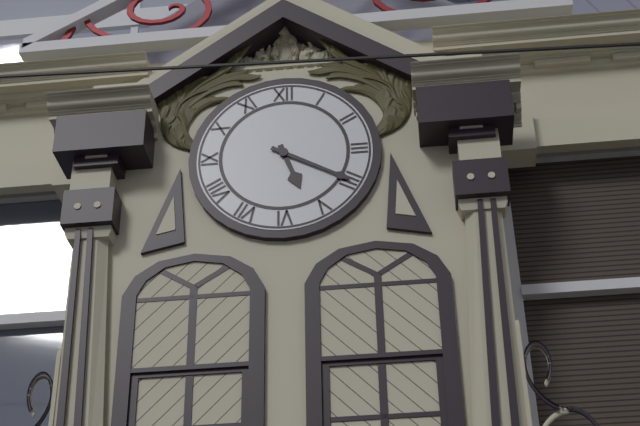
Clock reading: 5h20
